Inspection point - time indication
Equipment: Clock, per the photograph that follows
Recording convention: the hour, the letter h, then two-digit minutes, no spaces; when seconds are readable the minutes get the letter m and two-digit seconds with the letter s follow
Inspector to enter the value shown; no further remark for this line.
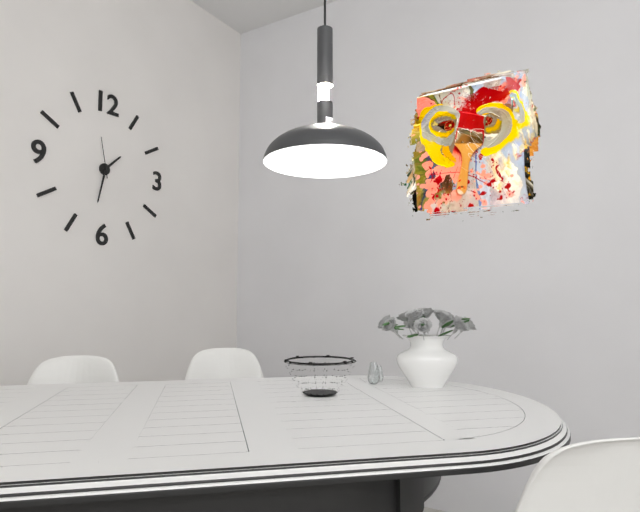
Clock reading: 1h32
